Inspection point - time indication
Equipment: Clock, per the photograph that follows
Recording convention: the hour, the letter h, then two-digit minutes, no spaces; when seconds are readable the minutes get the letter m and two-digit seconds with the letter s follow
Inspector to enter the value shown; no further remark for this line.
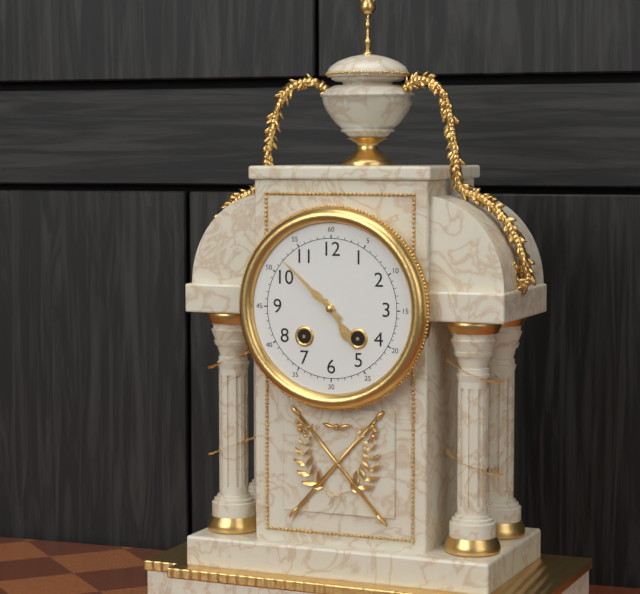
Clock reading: 4h52
